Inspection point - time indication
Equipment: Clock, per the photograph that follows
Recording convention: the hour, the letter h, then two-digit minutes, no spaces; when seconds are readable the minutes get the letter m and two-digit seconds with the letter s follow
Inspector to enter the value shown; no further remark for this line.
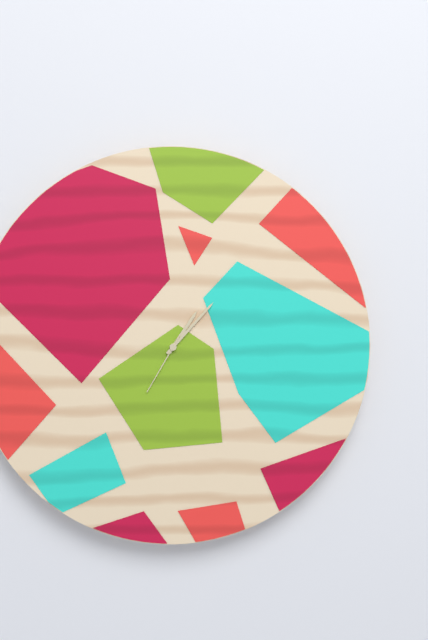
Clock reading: 1h07m35s
